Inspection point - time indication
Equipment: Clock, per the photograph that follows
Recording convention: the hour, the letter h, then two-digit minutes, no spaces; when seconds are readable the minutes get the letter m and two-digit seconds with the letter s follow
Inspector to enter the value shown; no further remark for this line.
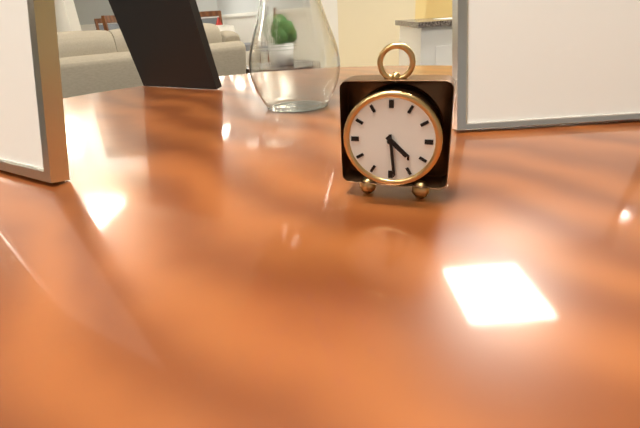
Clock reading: 4h29
